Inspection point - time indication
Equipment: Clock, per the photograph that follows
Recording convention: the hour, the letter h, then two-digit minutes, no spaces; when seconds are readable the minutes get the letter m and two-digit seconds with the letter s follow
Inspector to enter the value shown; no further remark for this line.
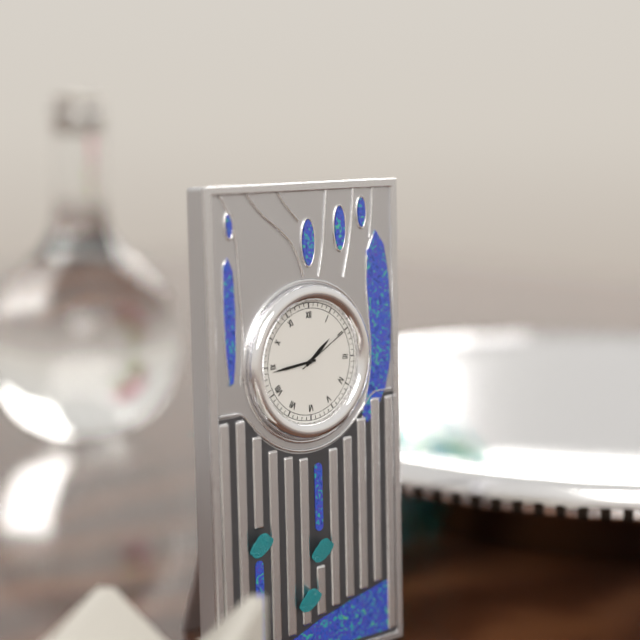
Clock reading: 1h44m10s
